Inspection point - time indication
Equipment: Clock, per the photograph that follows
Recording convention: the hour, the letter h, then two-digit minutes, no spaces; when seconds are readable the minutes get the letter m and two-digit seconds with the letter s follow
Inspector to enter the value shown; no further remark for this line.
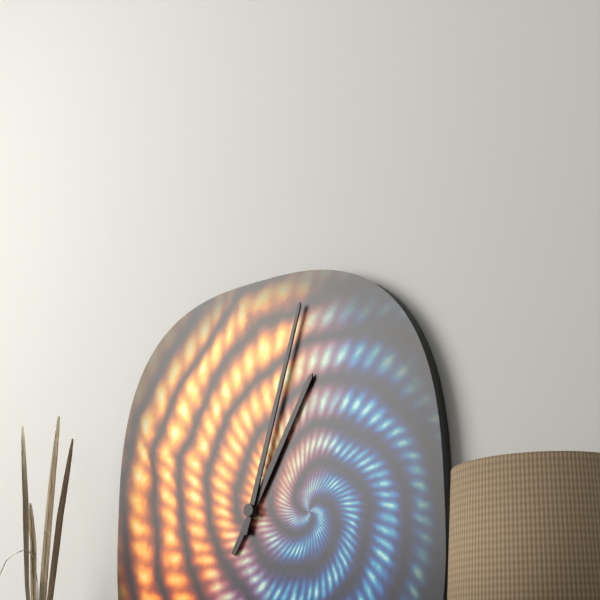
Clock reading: 1h03
